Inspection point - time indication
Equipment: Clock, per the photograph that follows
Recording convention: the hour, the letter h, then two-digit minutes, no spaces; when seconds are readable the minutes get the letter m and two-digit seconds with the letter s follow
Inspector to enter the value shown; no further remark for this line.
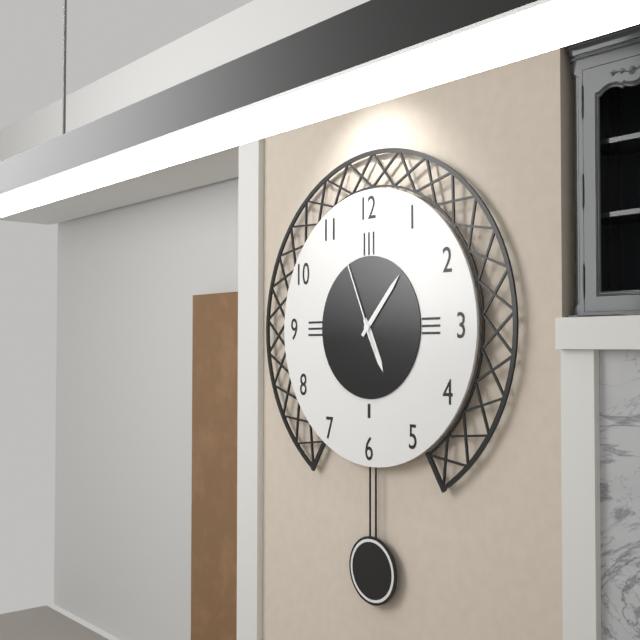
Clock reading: 5h07m56s
